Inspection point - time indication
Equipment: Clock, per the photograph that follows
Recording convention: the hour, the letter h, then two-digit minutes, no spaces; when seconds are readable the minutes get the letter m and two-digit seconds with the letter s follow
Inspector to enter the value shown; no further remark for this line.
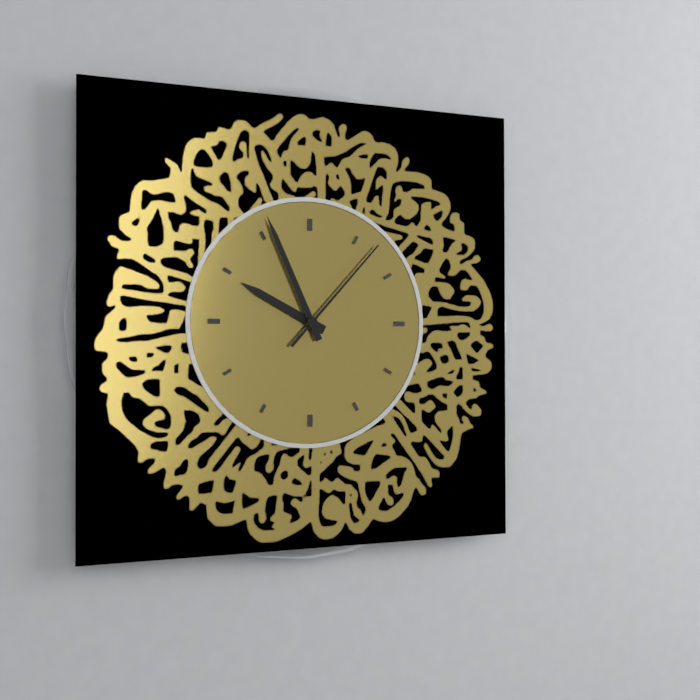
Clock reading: 9h56m07s
